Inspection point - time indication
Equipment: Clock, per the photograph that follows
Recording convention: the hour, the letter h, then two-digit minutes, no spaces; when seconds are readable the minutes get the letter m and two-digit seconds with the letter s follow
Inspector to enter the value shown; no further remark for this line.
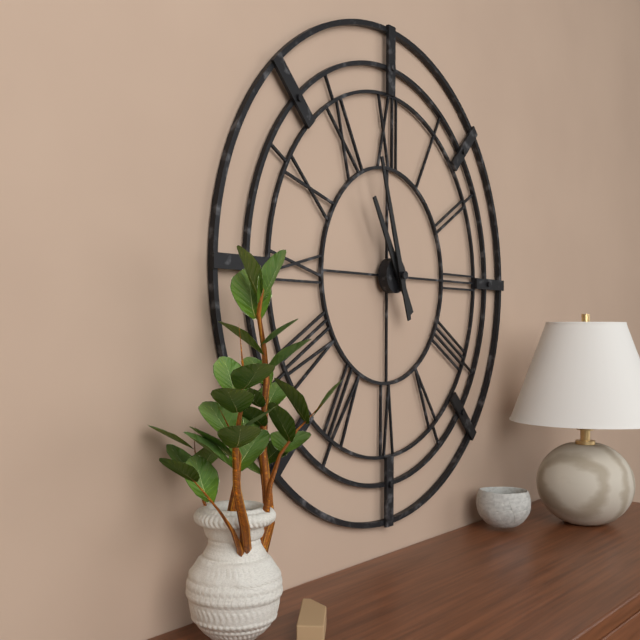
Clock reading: 10h57
